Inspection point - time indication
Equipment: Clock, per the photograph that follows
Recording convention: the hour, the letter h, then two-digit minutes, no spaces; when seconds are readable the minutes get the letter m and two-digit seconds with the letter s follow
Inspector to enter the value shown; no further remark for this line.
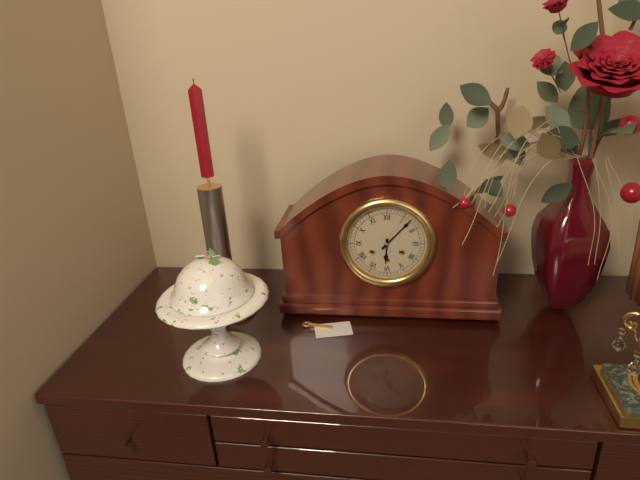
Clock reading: 6h07
